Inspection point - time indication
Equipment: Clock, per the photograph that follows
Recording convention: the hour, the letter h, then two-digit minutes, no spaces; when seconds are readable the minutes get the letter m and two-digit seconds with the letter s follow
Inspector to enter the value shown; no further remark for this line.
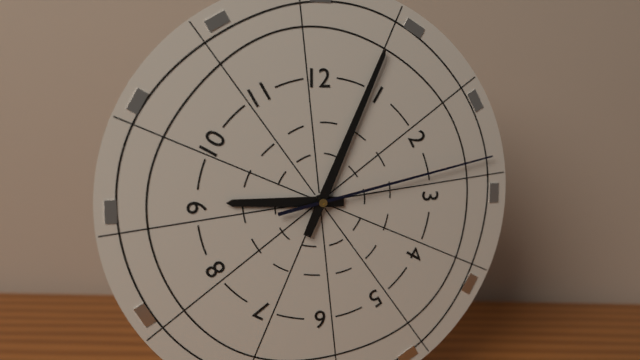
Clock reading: 9h04m13s
